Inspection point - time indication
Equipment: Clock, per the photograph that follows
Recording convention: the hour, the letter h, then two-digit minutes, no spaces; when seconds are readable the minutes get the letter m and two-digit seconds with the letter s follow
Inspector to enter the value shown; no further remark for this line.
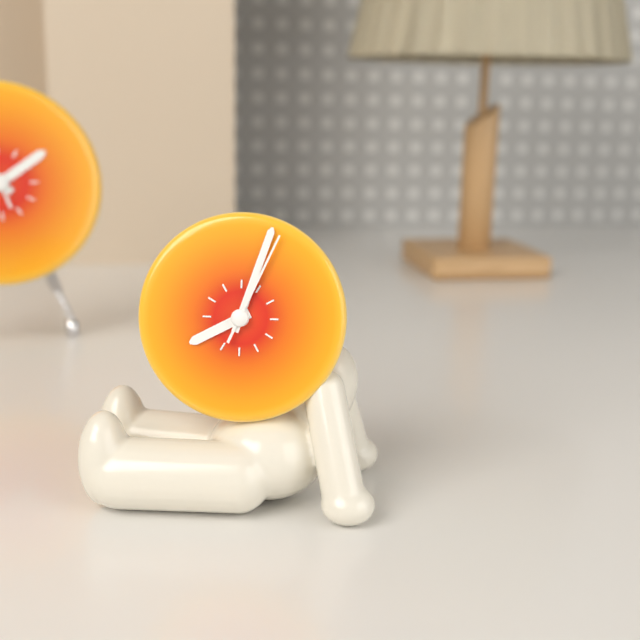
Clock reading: 8h03m04s
